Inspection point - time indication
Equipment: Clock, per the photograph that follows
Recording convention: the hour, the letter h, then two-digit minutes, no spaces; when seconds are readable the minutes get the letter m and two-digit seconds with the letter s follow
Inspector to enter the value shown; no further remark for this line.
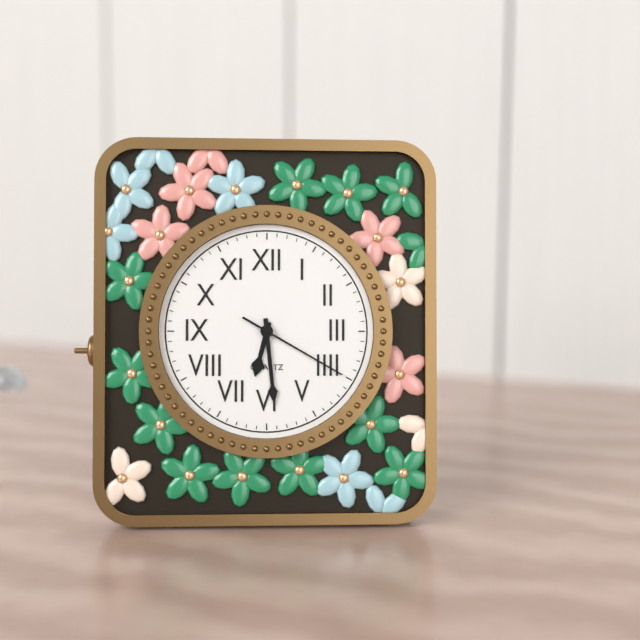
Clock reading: 6h29m20s
